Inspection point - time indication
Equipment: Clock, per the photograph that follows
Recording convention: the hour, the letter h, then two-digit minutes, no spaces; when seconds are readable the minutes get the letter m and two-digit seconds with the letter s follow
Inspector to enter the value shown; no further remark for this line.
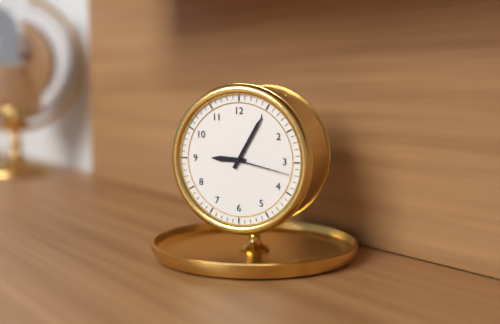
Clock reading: 9h05m17s
